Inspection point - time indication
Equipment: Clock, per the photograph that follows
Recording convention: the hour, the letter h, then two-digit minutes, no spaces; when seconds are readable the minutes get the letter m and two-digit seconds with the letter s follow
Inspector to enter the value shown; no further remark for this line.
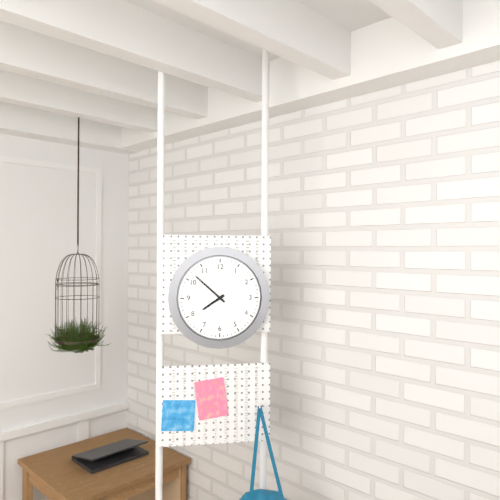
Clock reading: 7h52
